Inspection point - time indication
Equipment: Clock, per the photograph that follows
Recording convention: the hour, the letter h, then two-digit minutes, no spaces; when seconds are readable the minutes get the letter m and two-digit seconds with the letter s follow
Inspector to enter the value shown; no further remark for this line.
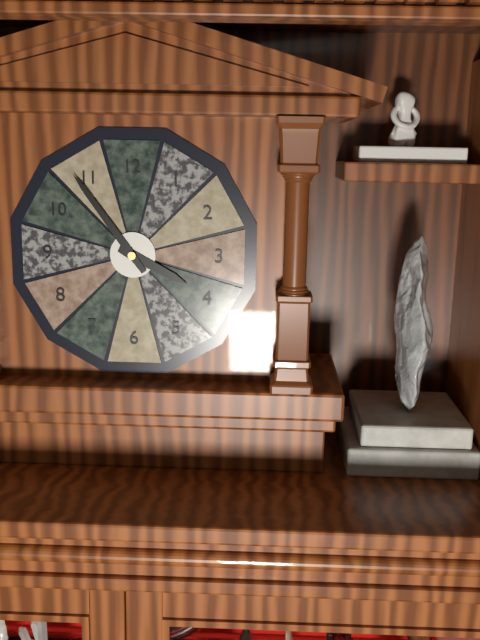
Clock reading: 3h54
